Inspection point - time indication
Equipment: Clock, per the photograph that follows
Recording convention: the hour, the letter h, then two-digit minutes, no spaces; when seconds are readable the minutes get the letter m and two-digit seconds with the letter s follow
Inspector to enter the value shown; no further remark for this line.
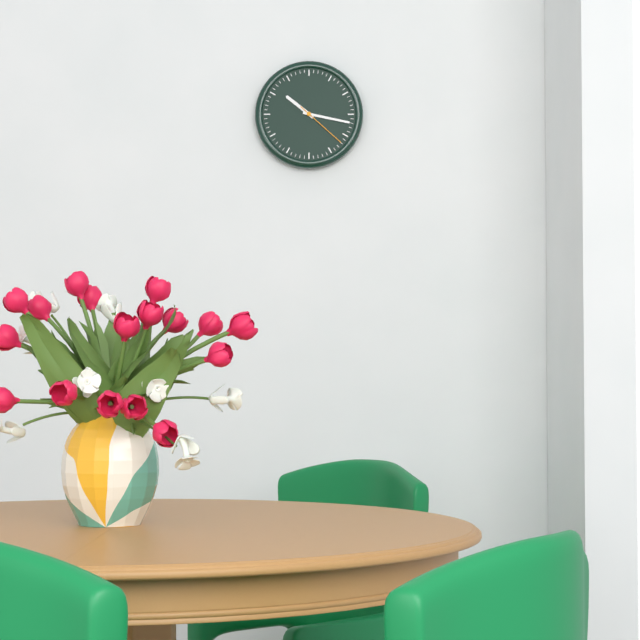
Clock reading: 10h17m22s
